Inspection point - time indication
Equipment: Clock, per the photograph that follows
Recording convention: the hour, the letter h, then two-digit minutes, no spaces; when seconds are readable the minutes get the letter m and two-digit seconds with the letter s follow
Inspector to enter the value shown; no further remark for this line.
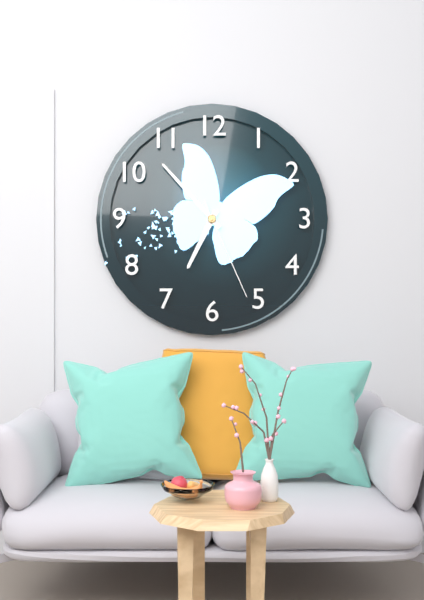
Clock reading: 6h53m26s
